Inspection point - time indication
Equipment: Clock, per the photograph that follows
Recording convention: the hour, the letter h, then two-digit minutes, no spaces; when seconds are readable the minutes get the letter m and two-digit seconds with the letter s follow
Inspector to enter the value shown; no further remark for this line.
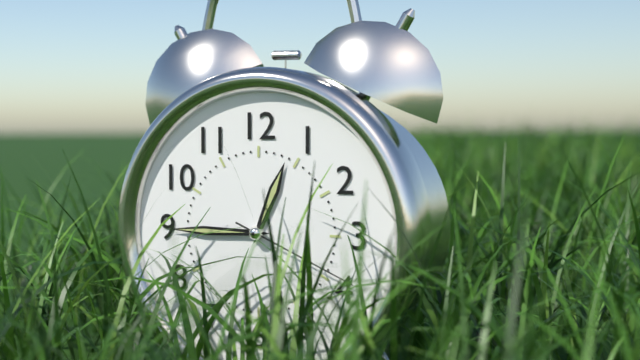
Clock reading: 12h45m19s
